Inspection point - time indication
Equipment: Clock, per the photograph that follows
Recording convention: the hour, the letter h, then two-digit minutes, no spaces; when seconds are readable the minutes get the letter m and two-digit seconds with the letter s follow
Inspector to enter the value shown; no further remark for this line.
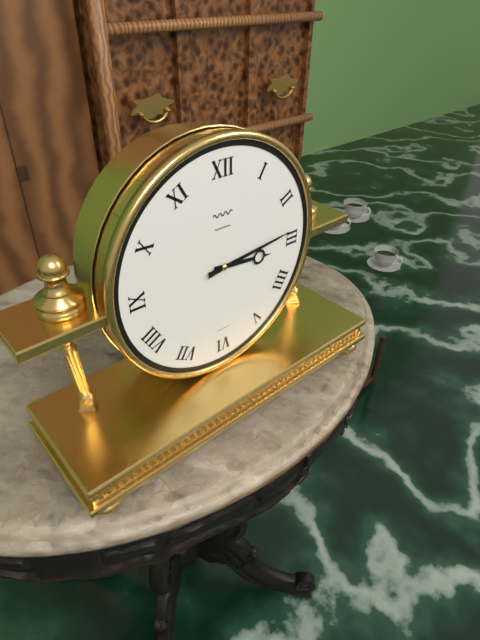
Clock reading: 3h14
